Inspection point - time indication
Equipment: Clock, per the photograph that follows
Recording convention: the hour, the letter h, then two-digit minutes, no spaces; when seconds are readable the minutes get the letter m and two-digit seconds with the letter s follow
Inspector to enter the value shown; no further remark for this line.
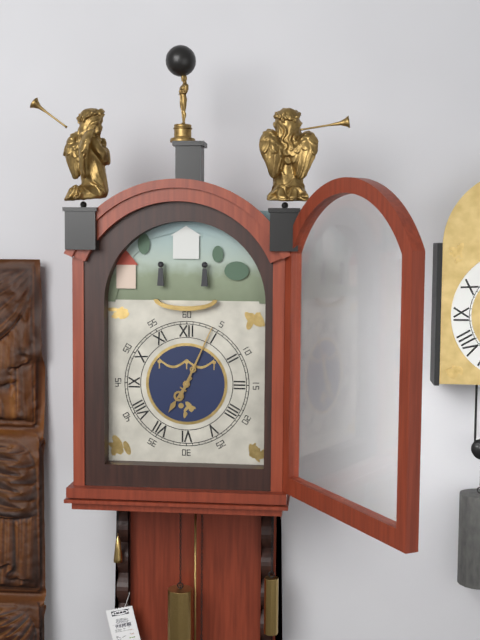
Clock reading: 7h04
